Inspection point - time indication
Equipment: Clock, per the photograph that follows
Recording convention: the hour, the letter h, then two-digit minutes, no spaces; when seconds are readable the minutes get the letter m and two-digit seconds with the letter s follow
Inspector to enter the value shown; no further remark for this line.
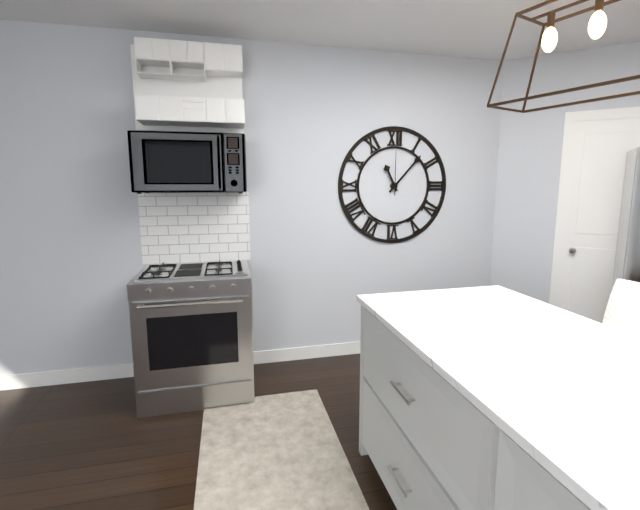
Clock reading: 11h07
